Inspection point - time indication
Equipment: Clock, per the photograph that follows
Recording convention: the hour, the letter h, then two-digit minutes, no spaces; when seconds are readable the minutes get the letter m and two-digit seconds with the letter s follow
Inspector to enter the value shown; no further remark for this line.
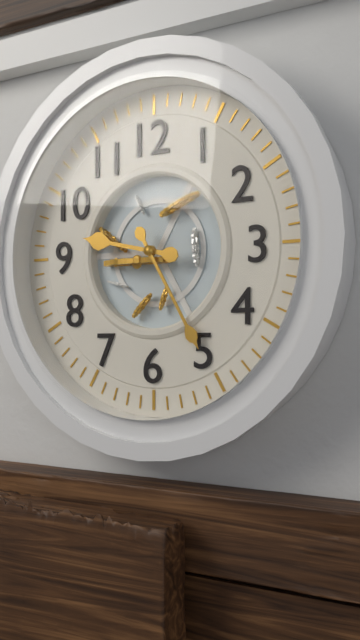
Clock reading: 9h25
